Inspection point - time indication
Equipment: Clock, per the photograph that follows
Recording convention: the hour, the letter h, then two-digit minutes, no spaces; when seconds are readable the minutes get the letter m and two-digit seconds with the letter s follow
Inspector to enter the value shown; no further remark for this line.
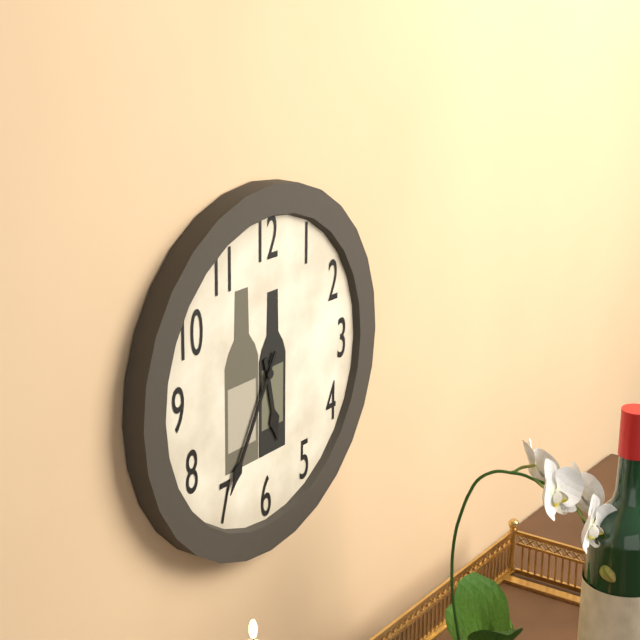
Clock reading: 5h35
